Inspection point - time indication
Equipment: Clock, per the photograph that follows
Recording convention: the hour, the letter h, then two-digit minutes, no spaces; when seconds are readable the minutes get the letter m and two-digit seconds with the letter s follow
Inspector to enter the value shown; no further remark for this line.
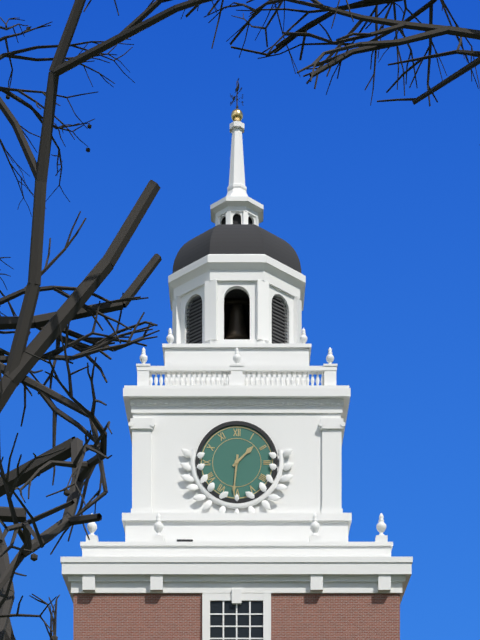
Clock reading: 1h31
